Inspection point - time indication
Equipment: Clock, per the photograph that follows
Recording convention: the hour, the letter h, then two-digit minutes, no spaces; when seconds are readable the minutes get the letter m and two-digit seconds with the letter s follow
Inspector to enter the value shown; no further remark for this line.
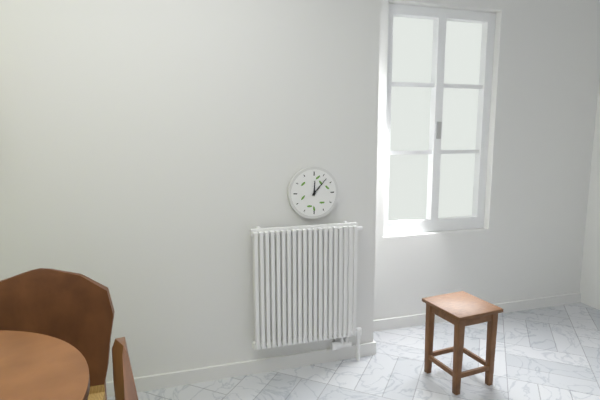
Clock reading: 12h07
